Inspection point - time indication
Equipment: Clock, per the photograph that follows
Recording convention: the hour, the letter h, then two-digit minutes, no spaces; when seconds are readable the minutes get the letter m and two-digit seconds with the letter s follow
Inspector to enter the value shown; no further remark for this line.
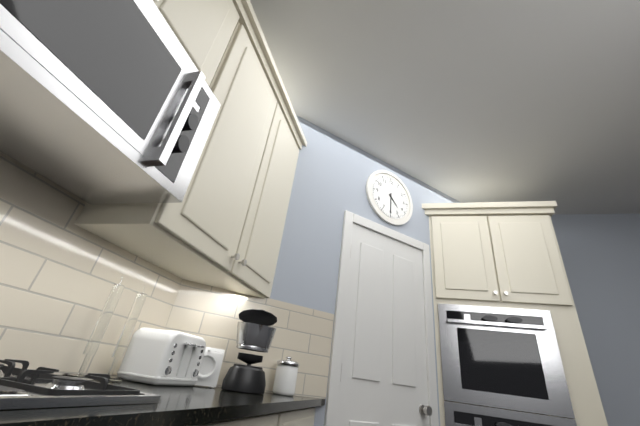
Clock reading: 4h30
